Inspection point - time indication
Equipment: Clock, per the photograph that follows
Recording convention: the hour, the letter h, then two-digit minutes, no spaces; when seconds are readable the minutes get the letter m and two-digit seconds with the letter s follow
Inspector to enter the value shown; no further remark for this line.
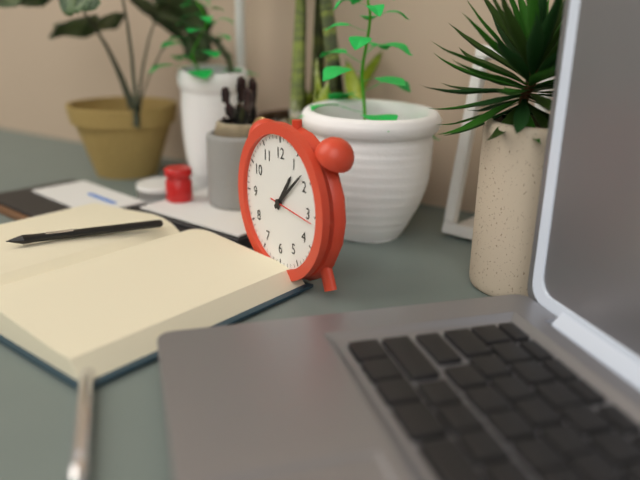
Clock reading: 1h08
